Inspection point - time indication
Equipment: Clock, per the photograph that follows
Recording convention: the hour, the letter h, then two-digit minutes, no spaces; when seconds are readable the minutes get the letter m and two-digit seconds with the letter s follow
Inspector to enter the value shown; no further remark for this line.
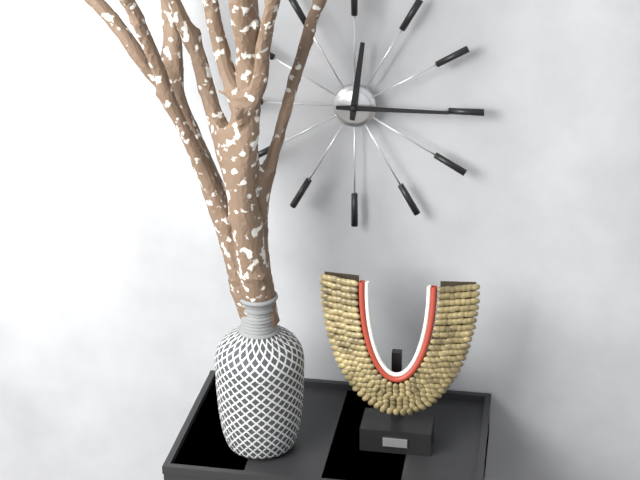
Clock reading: 12h15
